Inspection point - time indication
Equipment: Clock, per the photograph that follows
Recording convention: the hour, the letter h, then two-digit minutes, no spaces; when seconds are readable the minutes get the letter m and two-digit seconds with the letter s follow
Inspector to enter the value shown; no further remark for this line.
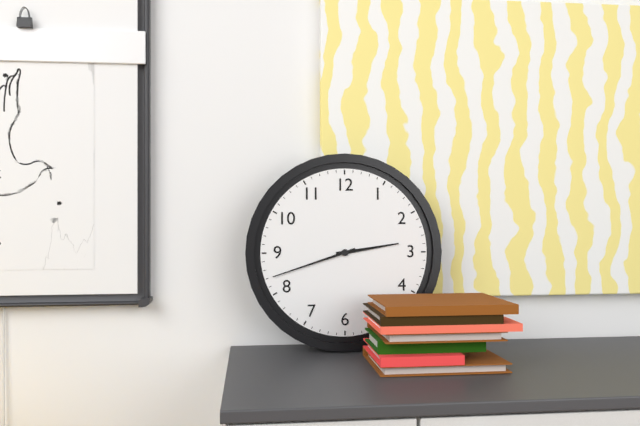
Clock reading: 2h42
